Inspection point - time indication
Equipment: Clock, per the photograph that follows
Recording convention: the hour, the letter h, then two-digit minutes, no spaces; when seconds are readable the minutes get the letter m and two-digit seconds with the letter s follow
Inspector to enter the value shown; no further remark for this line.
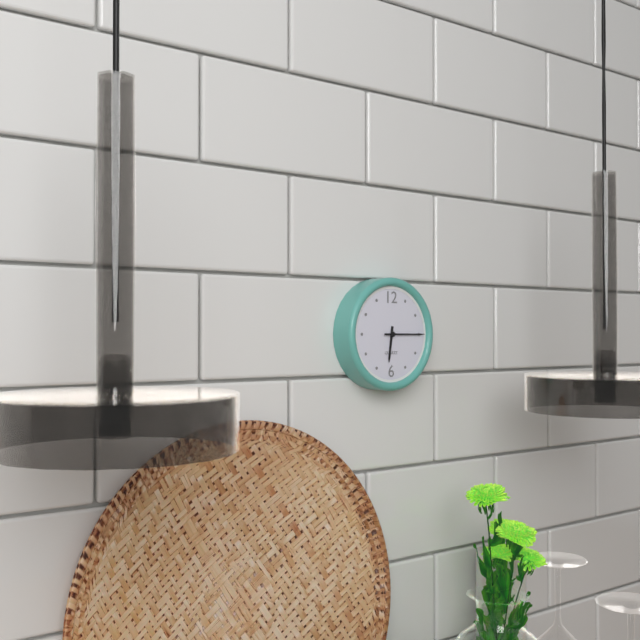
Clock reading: 6h15
